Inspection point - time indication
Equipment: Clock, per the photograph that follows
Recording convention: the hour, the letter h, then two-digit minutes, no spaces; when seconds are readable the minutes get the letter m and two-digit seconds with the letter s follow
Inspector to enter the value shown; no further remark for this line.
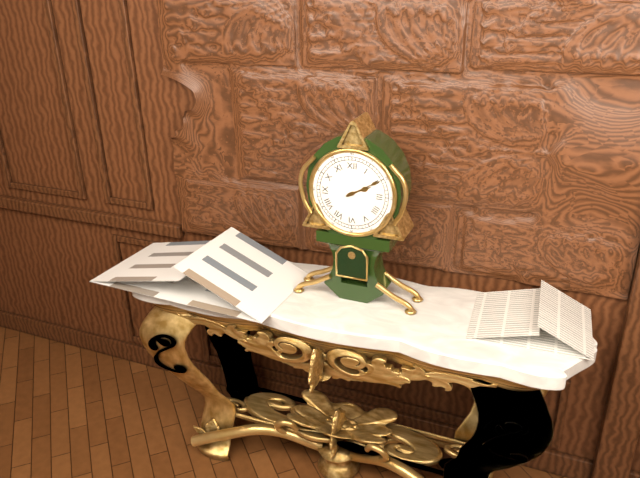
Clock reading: 2h10
